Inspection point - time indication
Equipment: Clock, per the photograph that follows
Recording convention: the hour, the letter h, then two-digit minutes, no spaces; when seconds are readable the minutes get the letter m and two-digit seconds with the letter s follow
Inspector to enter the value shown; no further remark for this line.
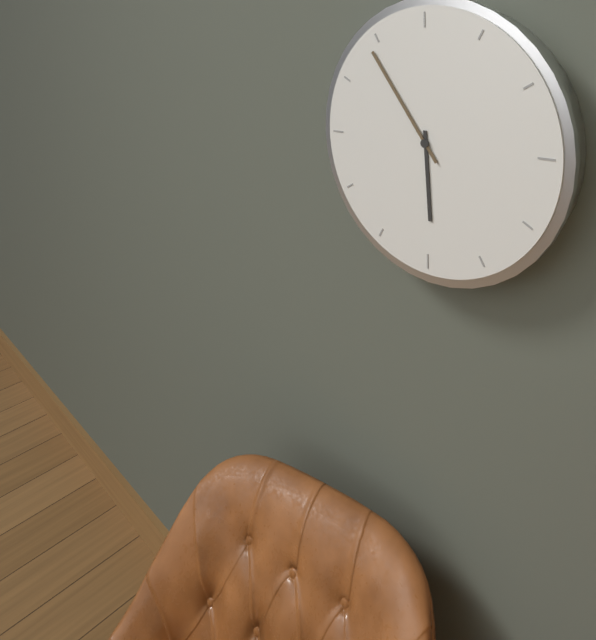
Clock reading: 5h54
